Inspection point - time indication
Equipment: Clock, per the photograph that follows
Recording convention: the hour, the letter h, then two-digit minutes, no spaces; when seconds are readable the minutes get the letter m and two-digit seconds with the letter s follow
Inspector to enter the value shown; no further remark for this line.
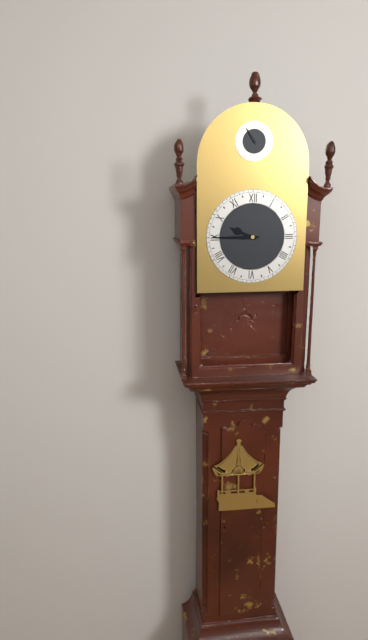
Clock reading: 9h45
